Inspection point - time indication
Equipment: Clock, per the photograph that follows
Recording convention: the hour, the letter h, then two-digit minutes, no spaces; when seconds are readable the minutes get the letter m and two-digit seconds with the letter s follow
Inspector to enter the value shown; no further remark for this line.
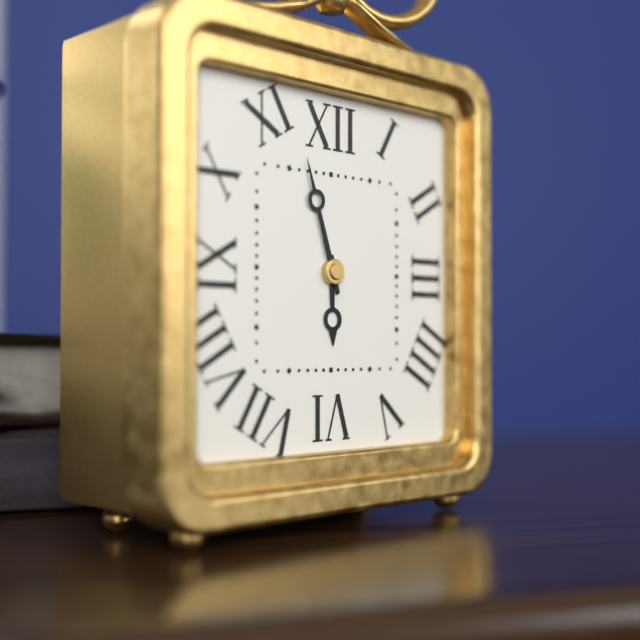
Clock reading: 5h57
